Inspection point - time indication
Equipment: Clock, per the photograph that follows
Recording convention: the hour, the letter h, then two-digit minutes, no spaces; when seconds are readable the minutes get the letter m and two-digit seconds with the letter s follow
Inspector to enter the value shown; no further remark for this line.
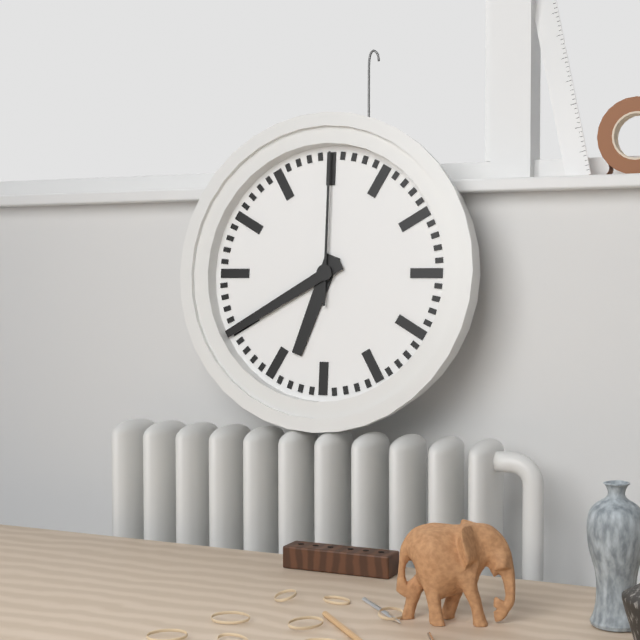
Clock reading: 6h40m00s
